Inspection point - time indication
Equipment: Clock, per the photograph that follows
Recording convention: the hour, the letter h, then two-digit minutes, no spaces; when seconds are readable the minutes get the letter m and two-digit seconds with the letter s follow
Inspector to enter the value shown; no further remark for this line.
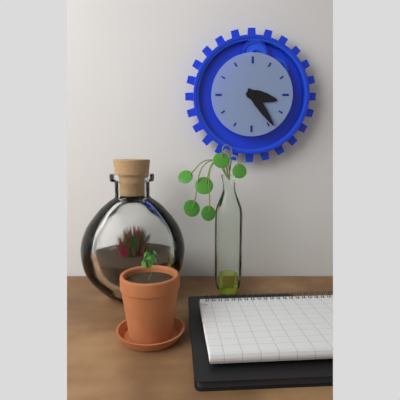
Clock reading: 3h24
